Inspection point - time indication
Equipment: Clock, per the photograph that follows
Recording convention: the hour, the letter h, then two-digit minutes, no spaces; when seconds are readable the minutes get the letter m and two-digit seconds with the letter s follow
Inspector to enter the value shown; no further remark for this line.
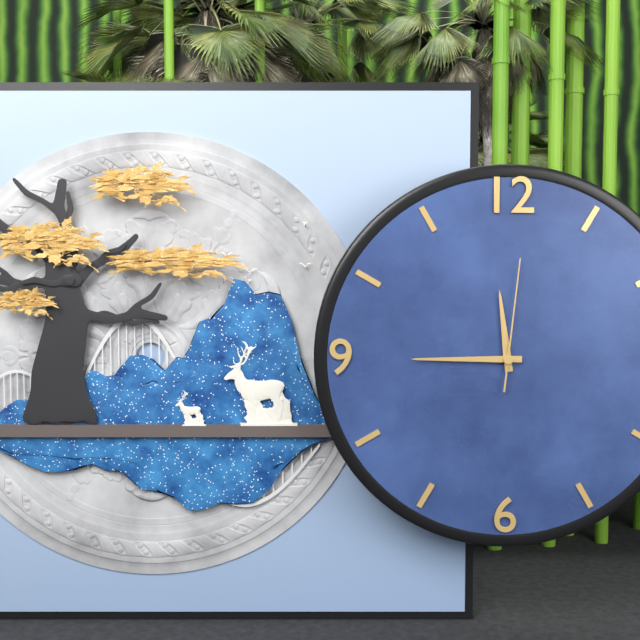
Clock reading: 11h45m01s
